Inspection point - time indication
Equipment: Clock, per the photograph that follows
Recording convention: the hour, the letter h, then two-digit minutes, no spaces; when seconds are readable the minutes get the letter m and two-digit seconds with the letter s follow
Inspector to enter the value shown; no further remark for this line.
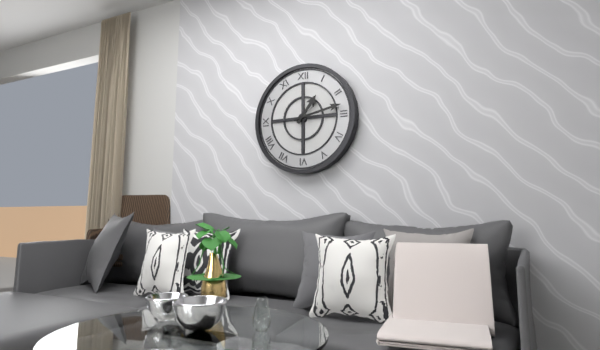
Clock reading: 1h13
